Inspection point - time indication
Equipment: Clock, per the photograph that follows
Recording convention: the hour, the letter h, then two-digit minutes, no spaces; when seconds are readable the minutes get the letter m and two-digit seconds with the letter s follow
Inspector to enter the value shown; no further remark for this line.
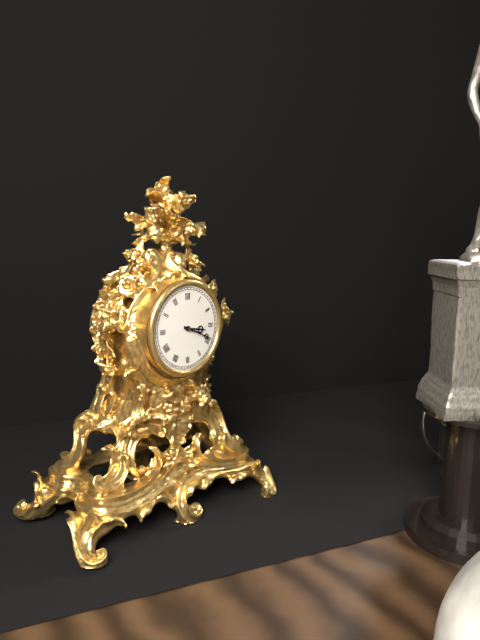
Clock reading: 3h19
